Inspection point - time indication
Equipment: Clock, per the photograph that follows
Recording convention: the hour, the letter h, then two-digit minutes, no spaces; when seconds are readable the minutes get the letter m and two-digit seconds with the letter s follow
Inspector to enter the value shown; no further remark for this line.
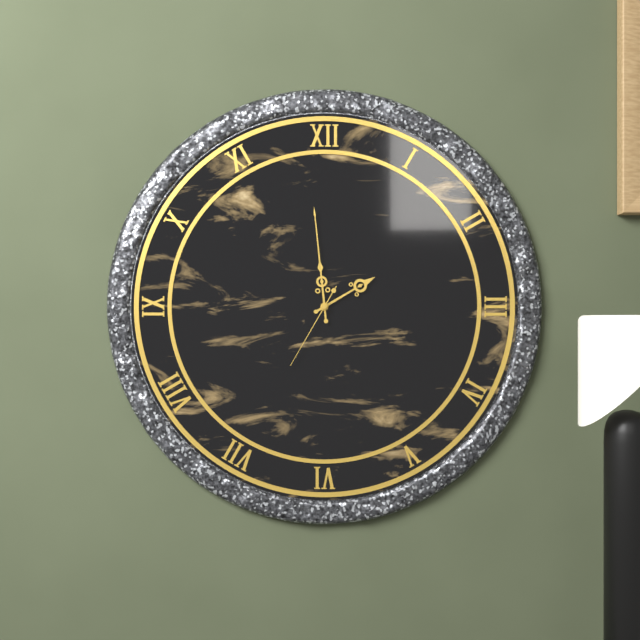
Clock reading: 1h59m35s
